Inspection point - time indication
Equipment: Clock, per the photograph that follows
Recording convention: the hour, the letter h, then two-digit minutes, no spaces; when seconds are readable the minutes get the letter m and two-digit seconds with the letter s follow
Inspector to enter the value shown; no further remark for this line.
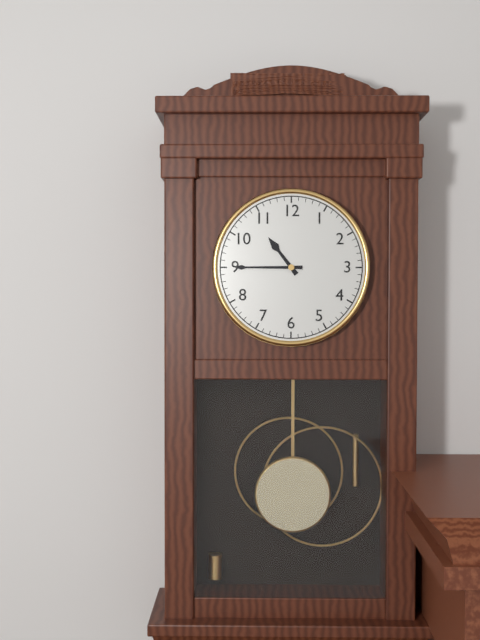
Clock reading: 10h45
